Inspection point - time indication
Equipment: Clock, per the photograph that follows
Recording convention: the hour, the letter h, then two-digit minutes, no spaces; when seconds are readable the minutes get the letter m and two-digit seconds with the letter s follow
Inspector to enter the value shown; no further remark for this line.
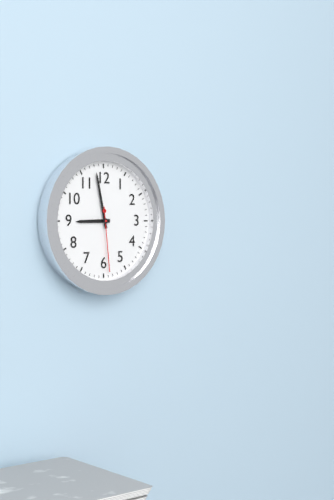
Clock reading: 8h58m29s
